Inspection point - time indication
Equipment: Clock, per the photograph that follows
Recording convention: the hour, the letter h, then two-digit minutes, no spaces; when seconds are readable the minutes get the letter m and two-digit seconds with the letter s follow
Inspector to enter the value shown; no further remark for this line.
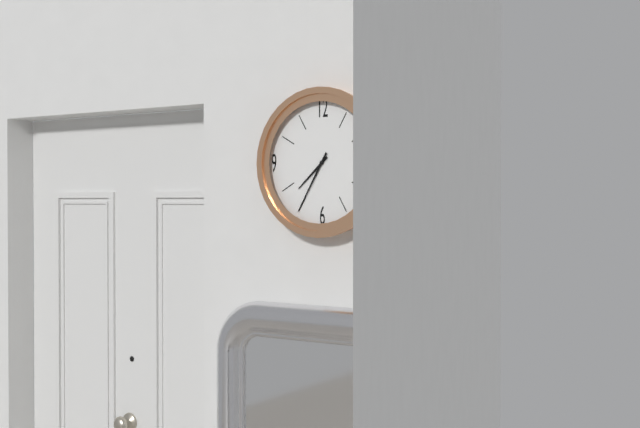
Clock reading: 7h35
